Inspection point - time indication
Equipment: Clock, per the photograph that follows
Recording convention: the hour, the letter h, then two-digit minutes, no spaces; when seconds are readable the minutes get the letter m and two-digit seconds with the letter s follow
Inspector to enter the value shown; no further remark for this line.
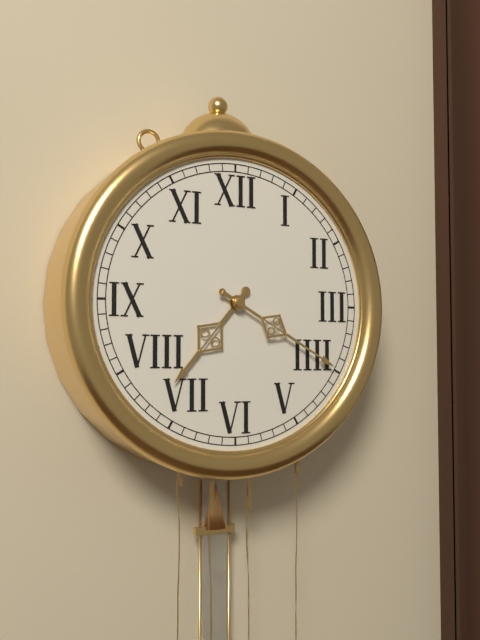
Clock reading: 7h20
